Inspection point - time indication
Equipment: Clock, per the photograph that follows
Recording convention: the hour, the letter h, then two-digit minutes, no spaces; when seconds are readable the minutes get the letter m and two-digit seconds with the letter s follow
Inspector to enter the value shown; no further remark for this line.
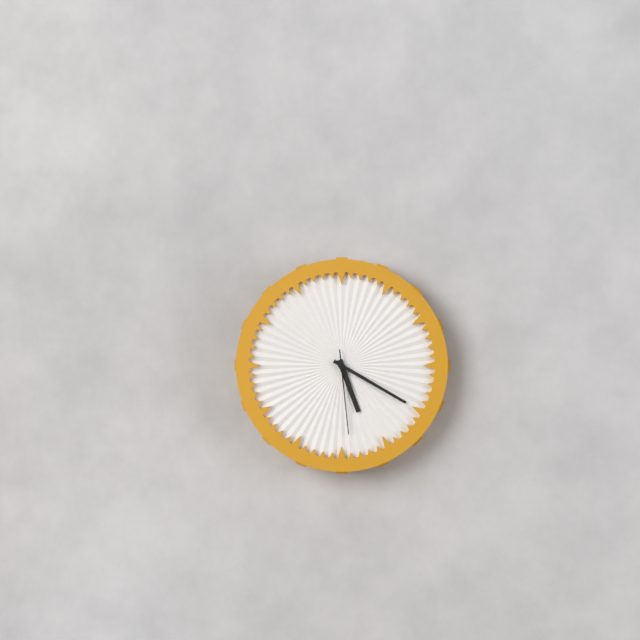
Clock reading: 5h20m29s
